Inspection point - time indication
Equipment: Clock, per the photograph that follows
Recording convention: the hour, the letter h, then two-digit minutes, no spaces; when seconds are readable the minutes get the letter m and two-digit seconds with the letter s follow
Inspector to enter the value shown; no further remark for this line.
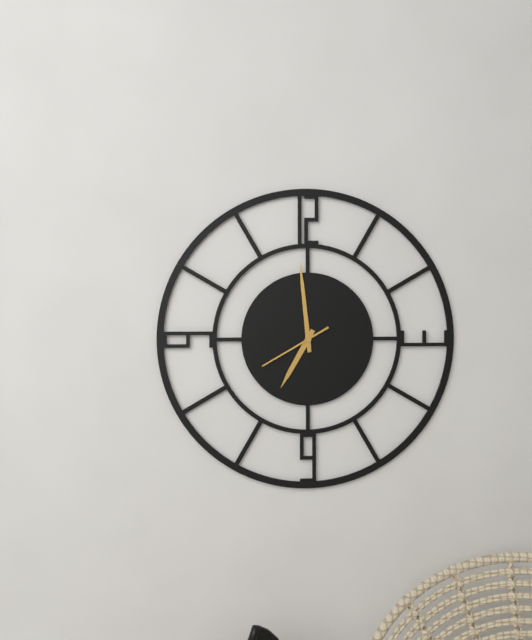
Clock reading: 6h59m40s
